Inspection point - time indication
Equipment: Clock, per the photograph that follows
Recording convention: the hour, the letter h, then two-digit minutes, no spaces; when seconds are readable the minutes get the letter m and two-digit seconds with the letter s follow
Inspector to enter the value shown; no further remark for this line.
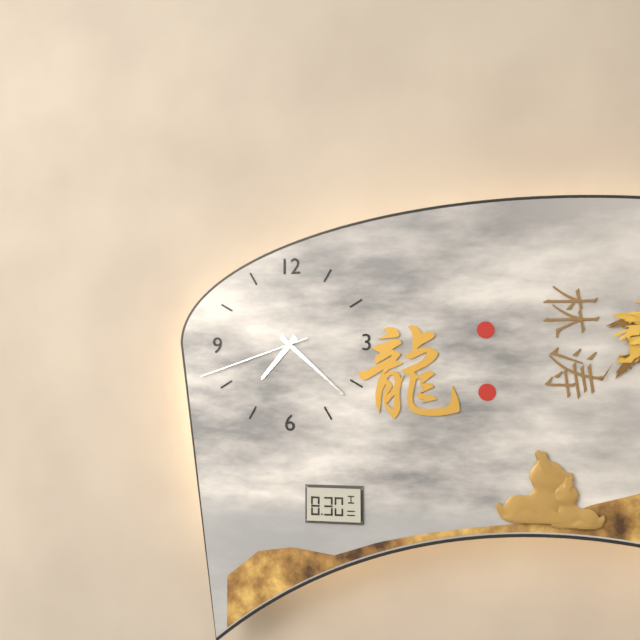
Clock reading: 7h22m42s
